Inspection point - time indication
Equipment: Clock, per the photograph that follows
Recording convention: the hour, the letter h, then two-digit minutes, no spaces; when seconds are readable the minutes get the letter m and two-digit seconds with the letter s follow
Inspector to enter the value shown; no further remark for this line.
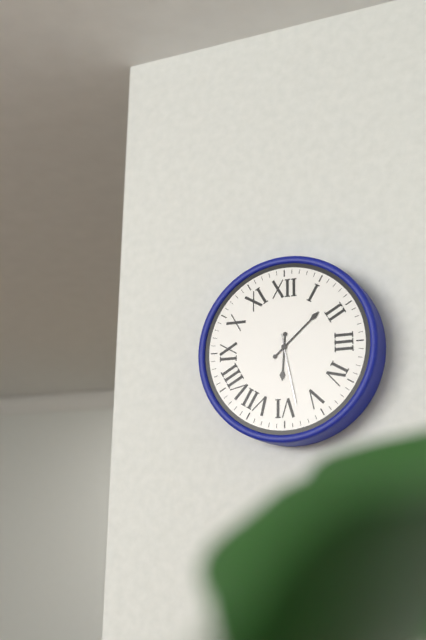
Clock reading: 6h08m28s
